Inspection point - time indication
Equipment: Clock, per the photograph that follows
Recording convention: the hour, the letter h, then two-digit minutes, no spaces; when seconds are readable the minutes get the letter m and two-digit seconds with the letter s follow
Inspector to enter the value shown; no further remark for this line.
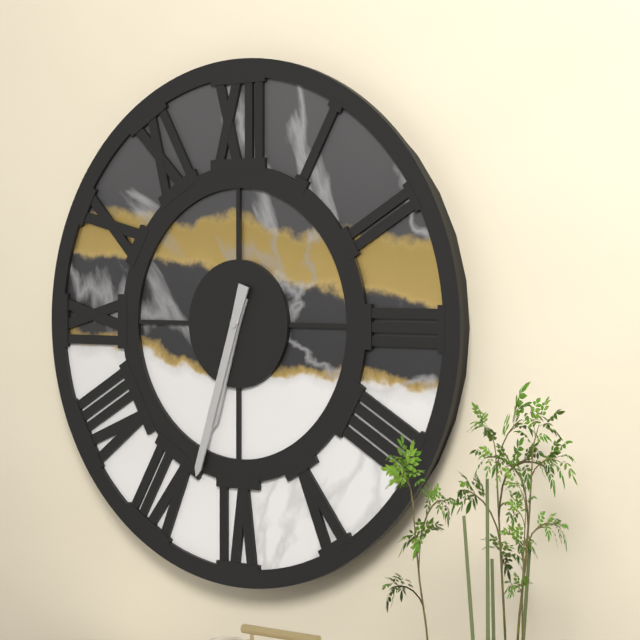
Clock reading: 6h33
